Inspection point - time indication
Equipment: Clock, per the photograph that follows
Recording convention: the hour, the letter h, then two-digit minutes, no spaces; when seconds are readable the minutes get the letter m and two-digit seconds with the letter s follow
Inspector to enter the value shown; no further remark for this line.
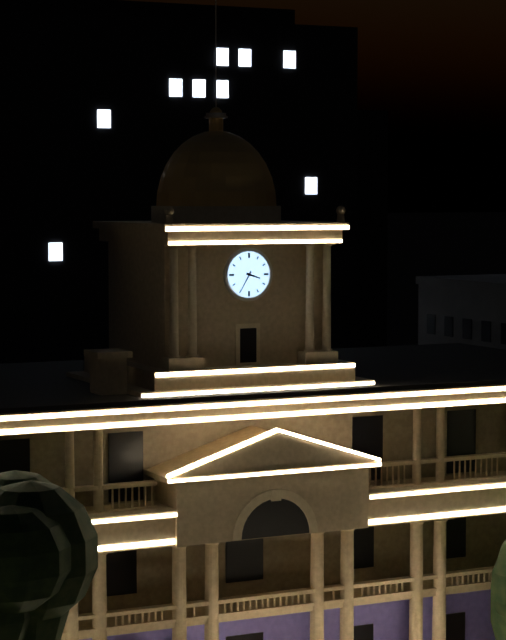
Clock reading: 3h35
